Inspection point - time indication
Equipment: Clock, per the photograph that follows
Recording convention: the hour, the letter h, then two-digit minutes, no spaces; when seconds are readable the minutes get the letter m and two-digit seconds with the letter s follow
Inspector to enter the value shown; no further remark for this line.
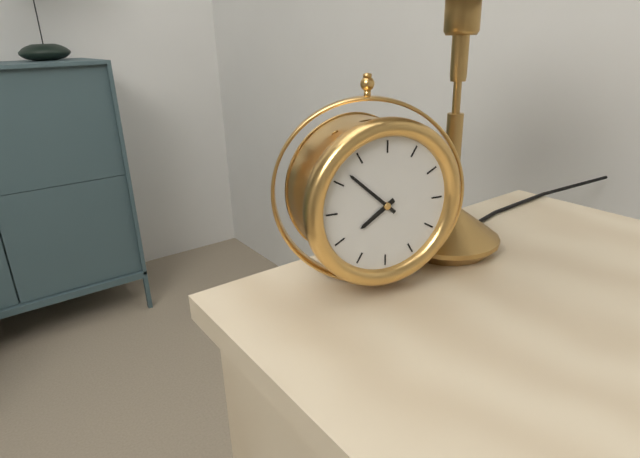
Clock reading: 7h52
